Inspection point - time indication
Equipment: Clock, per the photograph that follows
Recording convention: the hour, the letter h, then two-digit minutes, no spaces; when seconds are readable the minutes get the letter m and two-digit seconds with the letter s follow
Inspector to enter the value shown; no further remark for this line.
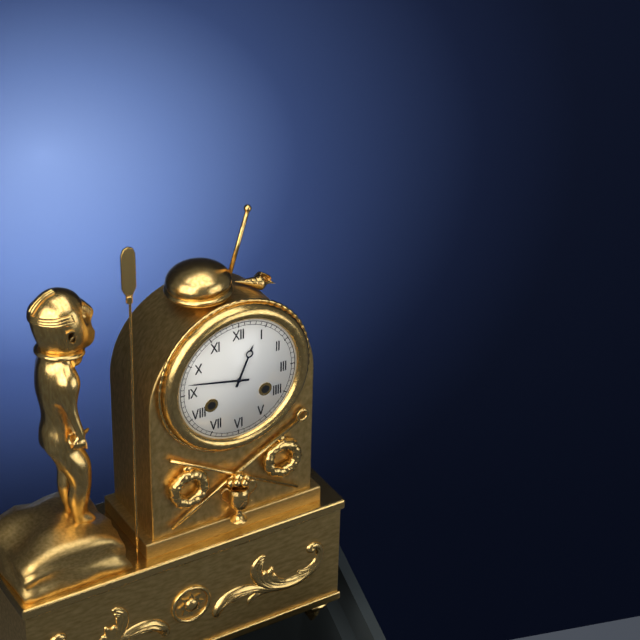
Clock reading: 12h47
